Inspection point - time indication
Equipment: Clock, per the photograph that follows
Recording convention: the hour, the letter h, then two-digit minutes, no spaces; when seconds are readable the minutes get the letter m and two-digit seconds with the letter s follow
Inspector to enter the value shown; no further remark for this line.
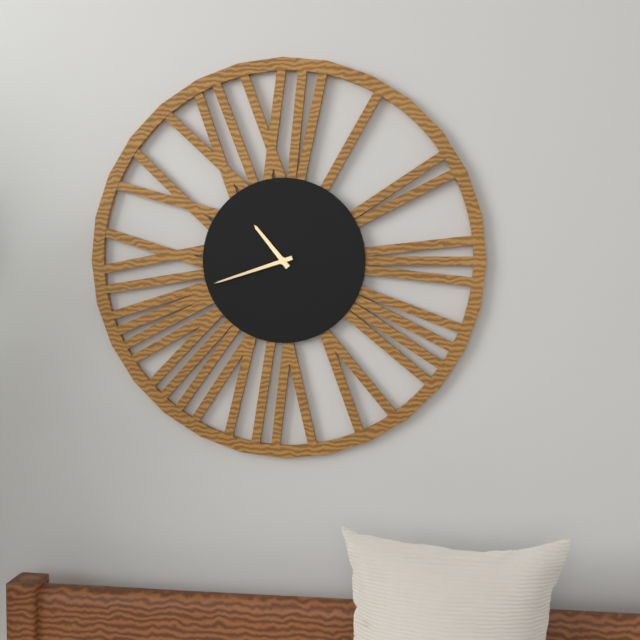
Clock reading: 10h42
